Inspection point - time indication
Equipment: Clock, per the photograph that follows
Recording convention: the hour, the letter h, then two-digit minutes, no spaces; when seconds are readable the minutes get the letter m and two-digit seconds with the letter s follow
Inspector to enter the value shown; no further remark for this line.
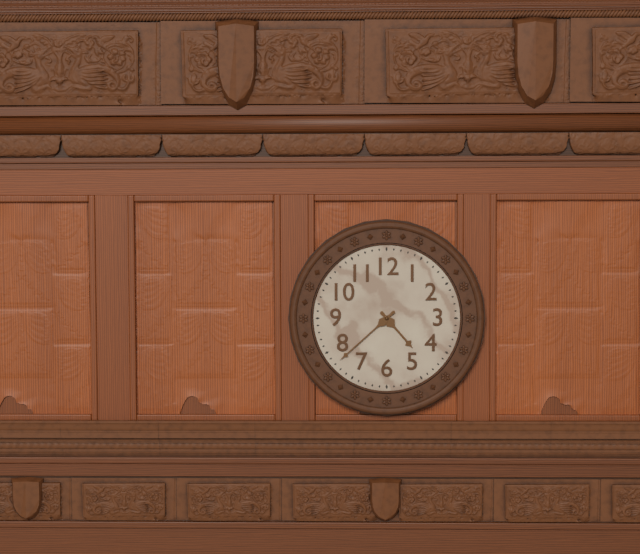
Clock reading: 4h38
